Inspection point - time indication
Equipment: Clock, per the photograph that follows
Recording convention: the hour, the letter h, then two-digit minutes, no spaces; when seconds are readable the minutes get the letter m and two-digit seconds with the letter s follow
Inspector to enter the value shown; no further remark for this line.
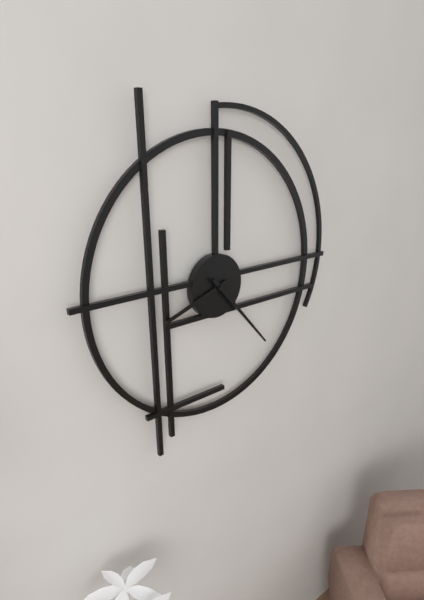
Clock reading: 8h23
